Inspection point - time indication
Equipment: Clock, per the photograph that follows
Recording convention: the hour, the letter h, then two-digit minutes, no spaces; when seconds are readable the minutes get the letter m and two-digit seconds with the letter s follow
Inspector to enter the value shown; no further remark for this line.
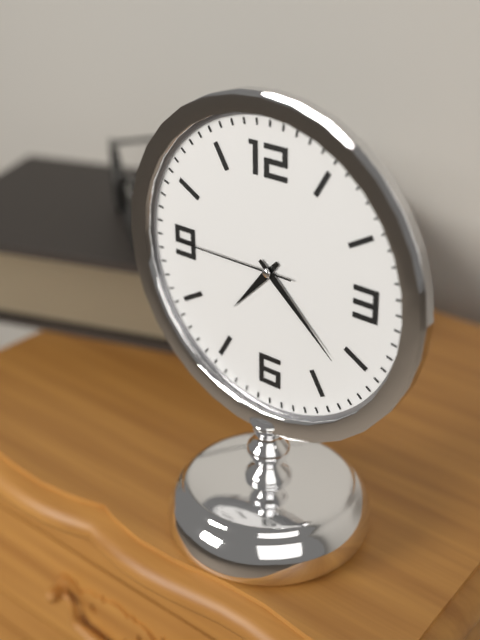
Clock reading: 7h22m45s
